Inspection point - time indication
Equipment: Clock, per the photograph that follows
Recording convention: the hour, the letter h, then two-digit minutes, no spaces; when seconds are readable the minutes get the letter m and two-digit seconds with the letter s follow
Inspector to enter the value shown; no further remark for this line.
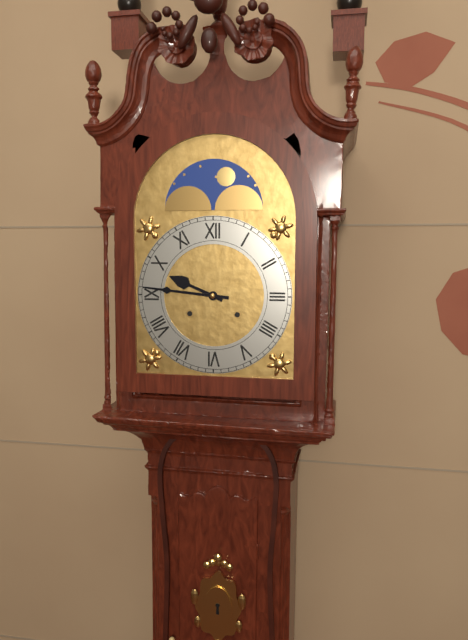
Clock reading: 9h46
